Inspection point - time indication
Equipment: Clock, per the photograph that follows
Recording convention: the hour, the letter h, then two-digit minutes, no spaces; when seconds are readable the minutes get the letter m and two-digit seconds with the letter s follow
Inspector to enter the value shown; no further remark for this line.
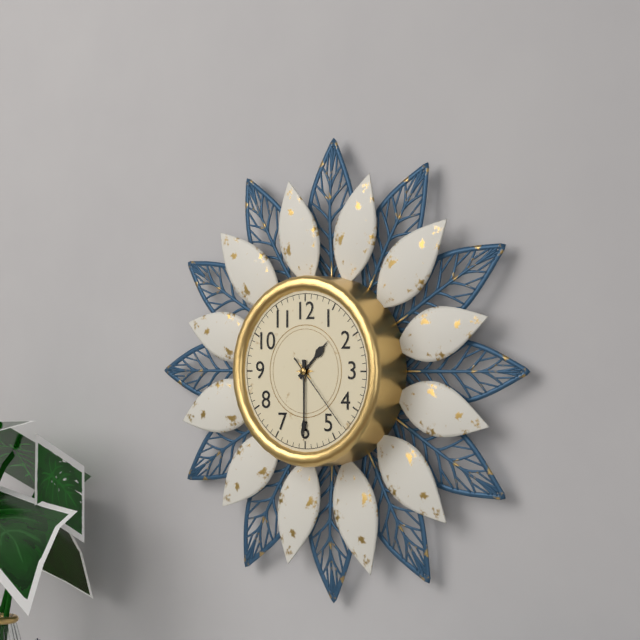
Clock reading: 1h30m23s
